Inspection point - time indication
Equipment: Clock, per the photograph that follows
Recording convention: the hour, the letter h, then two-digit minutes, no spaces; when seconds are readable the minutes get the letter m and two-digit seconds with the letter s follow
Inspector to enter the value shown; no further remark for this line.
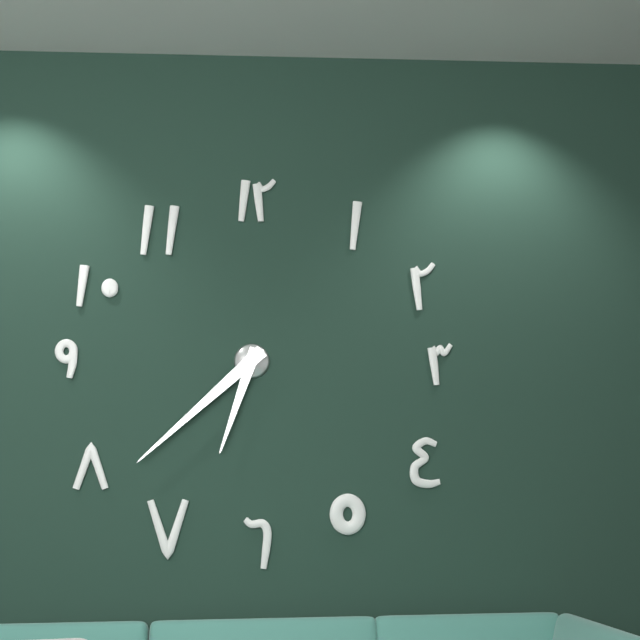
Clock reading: 6h38
